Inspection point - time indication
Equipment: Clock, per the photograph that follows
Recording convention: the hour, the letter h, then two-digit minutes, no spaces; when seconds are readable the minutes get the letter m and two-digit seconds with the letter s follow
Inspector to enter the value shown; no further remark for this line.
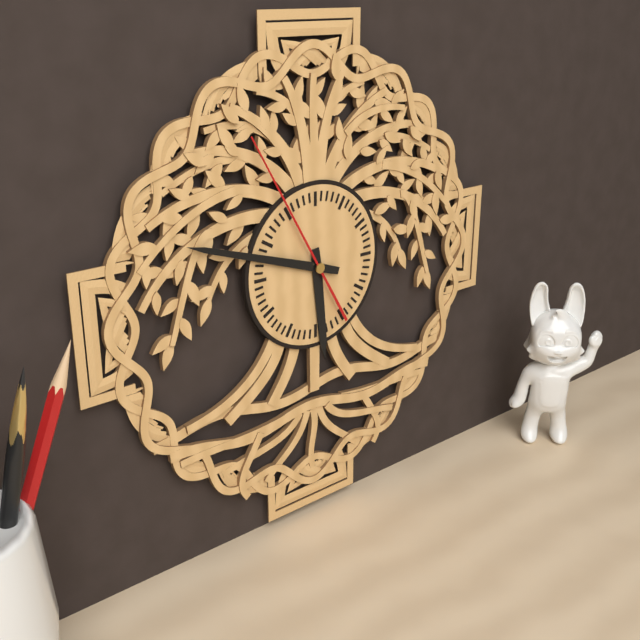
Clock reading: 5h48m55s
